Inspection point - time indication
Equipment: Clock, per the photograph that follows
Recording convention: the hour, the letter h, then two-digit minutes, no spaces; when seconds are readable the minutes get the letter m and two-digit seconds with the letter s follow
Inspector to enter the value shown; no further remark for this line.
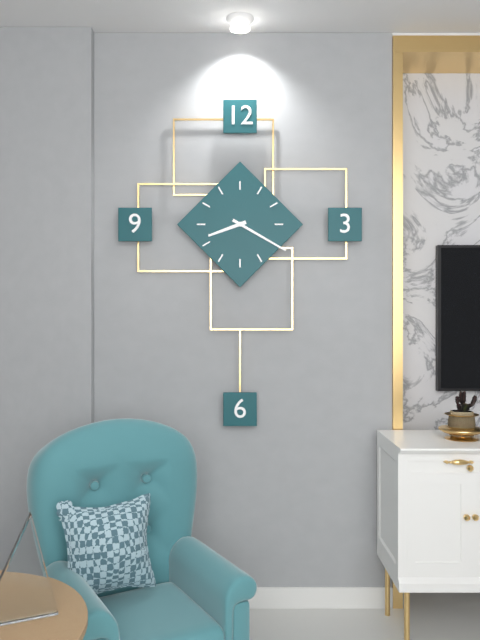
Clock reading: 8h20
